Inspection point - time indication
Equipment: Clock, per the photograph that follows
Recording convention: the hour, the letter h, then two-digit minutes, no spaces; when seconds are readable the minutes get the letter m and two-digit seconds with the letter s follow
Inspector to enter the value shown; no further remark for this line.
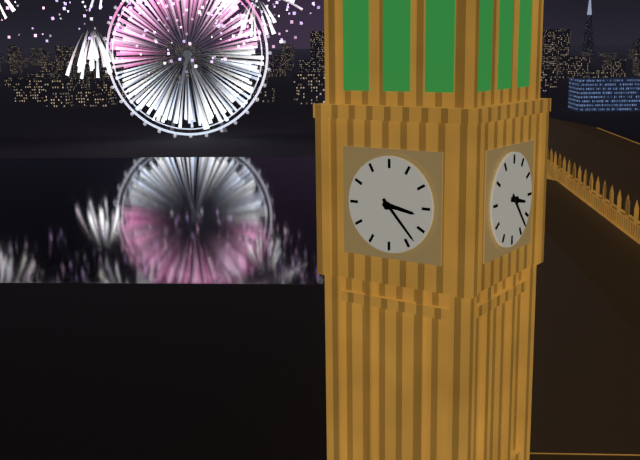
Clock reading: 3h23
